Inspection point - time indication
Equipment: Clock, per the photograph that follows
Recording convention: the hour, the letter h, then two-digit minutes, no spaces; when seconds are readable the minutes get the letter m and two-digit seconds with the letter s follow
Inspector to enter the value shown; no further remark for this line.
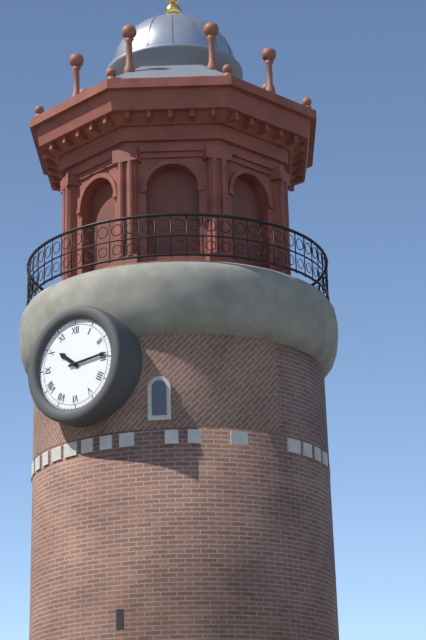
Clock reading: 10h14
